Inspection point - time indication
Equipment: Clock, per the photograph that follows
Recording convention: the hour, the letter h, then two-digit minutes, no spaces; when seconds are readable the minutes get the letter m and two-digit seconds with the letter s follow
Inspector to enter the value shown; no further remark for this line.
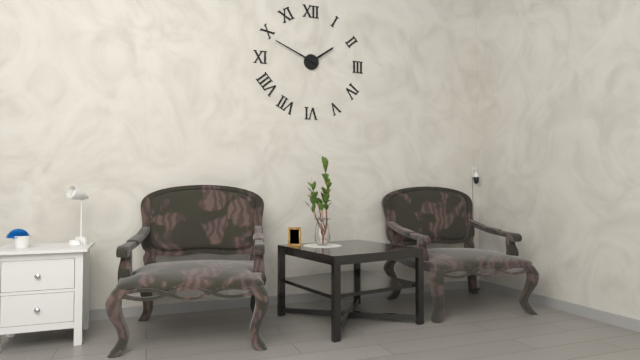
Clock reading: 1h49
